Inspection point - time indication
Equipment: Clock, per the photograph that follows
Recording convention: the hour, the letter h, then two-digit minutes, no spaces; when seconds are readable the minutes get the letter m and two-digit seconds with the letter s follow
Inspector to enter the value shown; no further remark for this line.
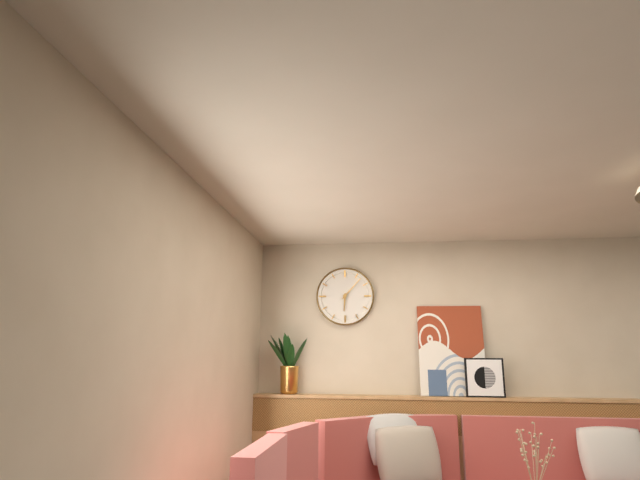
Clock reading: 6h07
